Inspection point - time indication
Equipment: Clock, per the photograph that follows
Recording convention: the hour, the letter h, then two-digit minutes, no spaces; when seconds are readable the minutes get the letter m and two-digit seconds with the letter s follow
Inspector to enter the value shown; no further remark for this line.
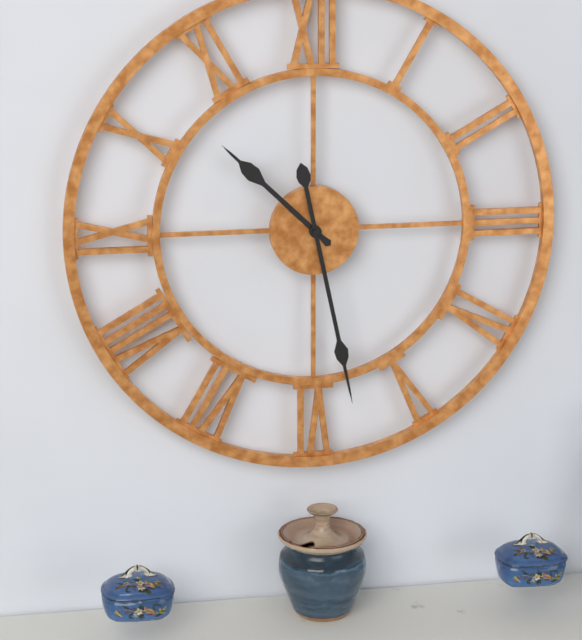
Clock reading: 10h28
